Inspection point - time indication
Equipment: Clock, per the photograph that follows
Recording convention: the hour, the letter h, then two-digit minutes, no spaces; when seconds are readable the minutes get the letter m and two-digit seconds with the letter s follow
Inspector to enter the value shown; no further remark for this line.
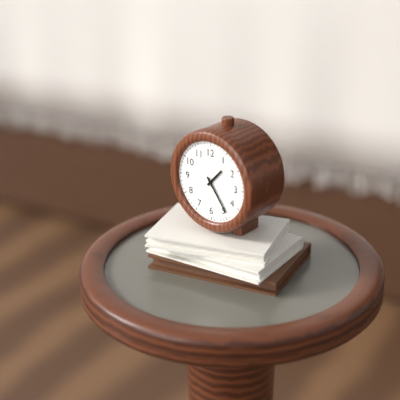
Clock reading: 1h24
